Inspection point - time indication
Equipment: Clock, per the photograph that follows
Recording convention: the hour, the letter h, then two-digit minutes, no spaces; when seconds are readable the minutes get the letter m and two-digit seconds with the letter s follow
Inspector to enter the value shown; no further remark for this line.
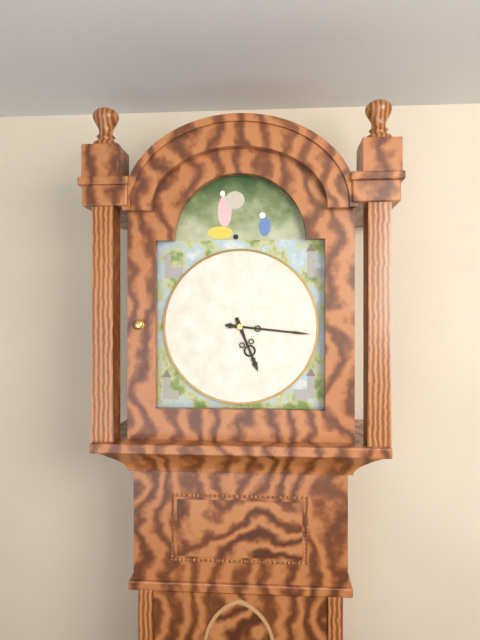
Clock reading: 5h16
